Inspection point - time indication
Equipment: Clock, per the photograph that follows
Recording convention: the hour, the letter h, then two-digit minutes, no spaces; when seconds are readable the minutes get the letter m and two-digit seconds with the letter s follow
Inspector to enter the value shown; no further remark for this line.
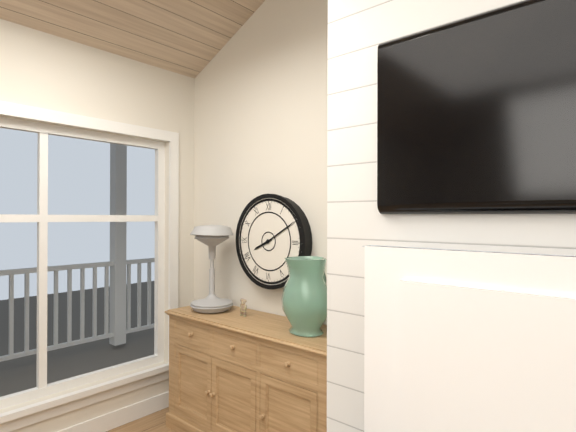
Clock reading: 8h10
